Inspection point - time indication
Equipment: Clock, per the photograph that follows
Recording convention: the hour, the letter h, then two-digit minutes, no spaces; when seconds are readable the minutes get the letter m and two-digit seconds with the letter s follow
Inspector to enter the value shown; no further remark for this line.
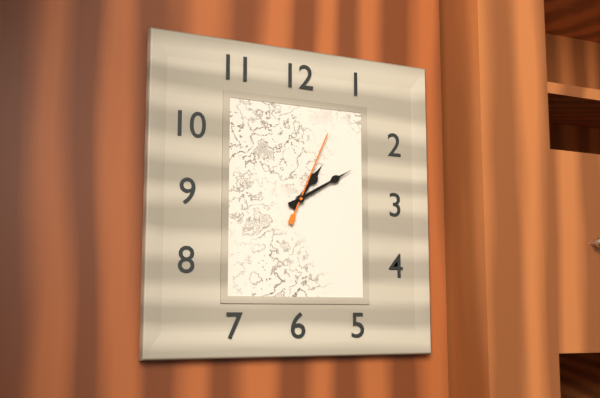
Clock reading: 1h10m04s
